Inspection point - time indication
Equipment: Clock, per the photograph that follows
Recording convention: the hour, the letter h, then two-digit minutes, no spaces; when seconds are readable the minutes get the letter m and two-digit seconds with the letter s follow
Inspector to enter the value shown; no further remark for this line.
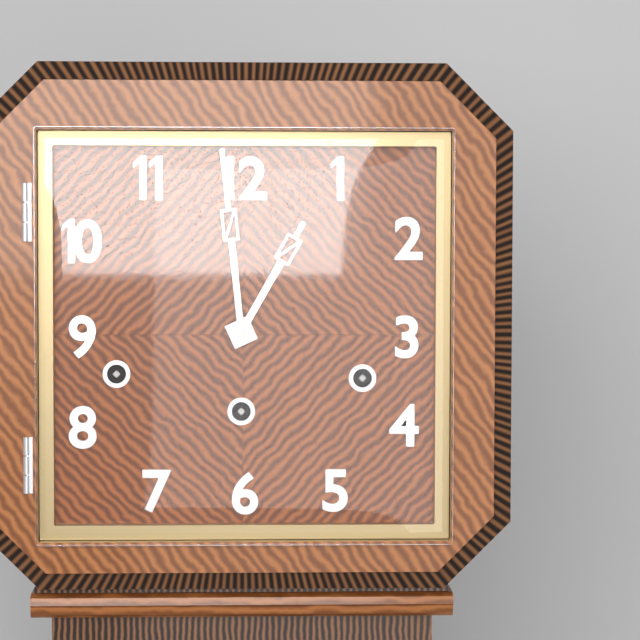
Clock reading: 12h59
